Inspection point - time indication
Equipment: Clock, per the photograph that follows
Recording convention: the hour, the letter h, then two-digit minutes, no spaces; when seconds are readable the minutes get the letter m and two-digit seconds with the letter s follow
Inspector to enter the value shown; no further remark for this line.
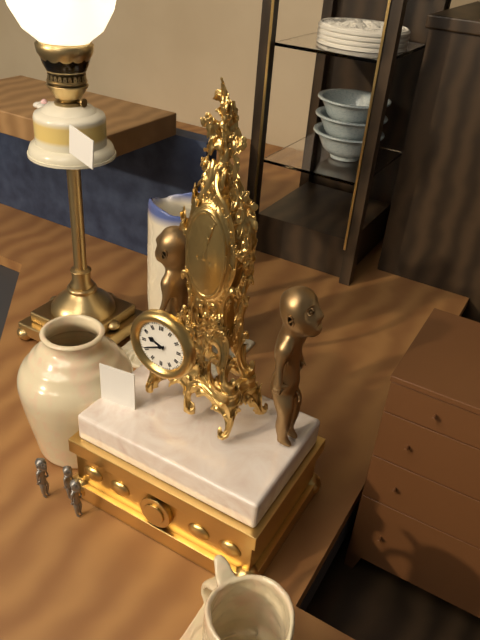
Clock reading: 9h41
